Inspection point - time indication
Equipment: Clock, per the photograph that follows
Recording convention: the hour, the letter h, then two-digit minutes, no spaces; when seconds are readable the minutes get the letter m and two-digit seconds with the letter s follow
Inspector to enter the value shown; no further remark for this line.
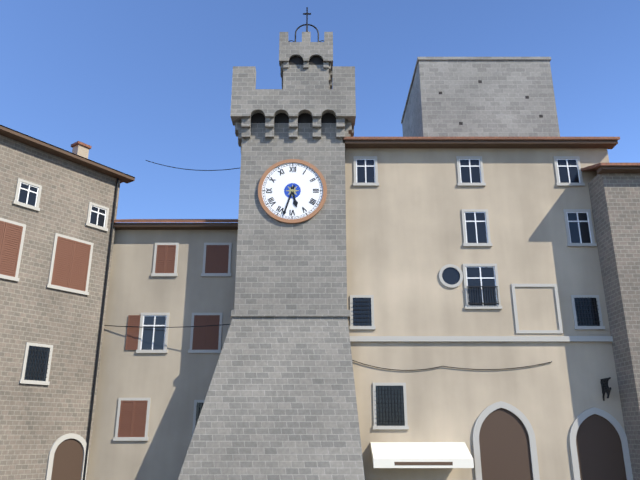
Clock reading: 5h33
